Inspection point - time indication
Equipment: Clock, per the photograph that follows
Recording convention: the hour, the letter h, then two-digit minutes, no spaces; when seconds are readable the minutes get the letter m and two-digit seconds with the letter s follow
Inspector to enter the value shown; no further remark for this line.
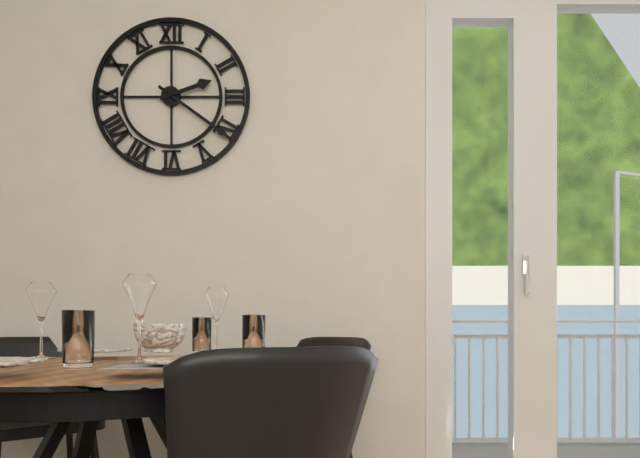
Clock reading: 2h21
